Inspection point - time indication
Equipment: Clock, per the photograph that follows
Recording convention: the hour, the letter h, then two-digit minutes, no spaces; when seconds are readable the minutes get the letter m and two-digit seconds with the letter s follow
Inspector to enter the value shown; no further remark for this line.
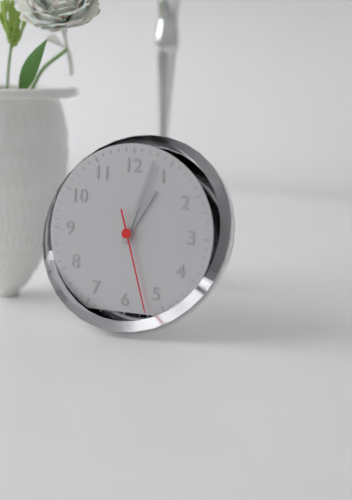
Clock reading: 1h03m27s
